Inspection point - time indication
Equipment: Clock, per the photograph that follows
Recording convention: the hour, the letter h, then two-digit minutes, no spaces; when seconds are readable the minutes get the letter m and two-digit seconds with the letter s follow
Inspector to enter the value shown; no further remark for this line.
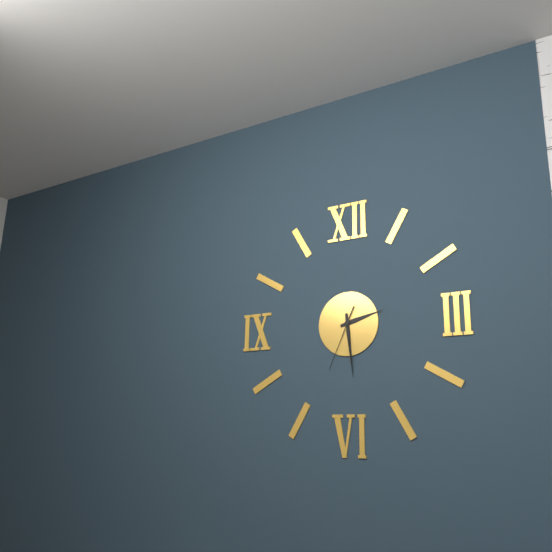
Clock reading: 2h29m34s
